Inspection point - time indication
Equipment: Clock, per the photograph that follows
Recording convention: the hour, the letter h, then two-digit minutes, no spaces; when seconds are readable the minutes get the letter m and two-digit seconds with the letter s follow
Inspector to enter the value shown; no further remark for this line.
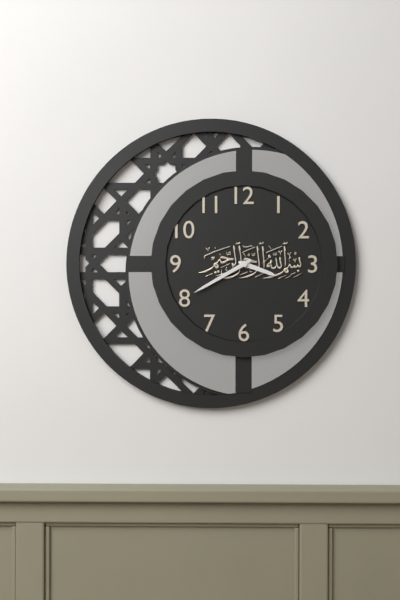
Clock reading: 3h40
